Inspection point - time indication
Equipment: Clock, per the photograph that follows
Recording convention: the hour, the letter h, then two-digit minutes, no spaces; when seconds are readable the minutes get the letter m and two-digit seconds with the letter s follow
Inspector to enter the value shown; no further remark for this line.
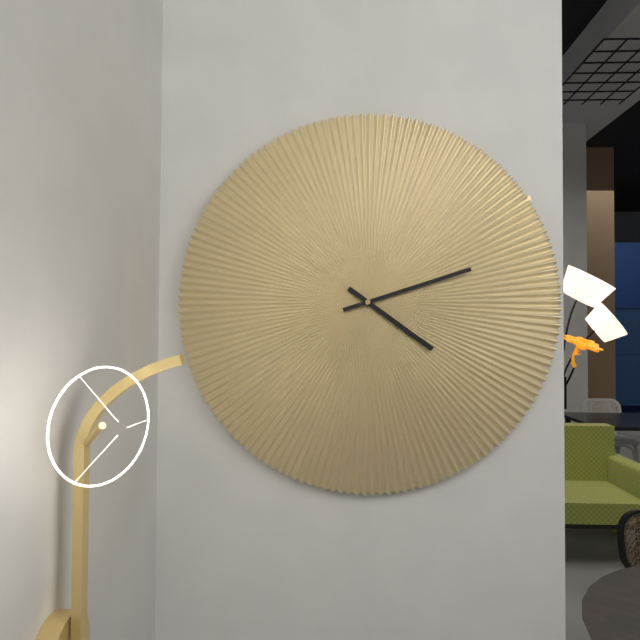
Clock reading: 4h12
